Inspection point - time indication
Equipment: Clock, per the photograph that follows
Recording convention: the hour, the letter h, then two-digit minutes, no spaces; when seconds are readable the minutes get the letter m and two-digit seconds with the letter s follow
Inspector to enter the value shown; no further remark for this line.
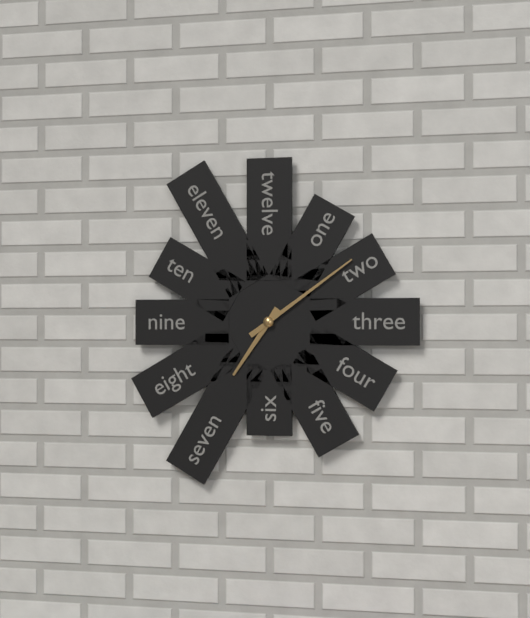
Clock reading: 7h09
